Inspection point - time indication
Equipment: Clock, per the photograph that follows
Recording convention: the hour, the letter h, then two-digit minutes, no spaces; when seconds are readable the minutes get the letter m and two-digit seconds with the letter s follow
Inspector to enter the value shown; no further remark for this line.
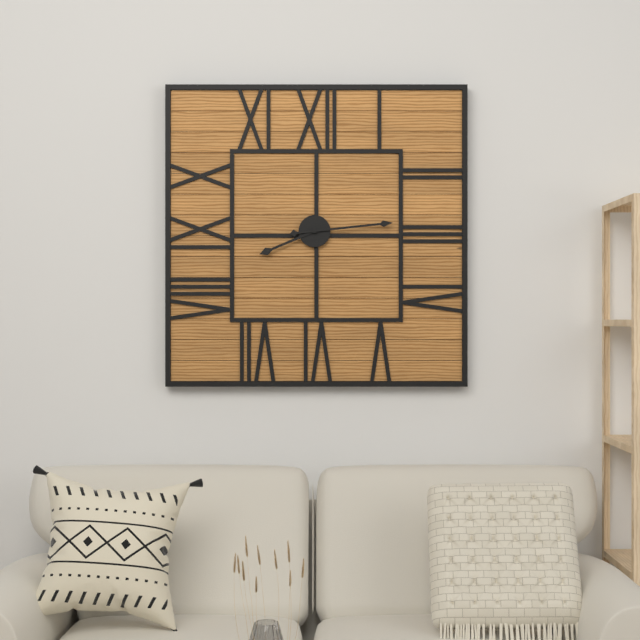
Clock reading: 8h14
